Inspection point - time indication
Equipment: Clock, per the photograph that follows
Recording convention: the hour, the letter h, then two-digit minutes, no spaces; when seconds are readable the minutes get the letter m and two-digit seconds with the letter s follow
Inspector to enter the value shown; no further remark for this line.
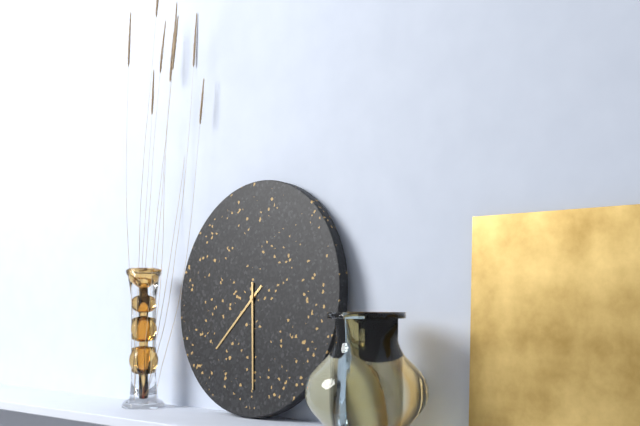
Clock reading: 7h29
